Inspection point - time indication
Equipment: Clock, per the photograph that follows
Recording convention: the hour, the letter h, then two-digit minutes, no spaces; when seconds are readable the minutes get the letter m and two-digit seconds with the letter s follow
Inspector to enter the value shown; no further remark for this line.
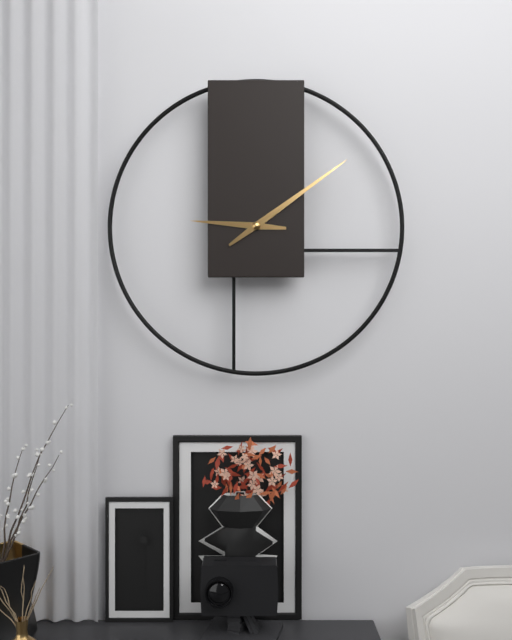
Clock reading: 9h09
